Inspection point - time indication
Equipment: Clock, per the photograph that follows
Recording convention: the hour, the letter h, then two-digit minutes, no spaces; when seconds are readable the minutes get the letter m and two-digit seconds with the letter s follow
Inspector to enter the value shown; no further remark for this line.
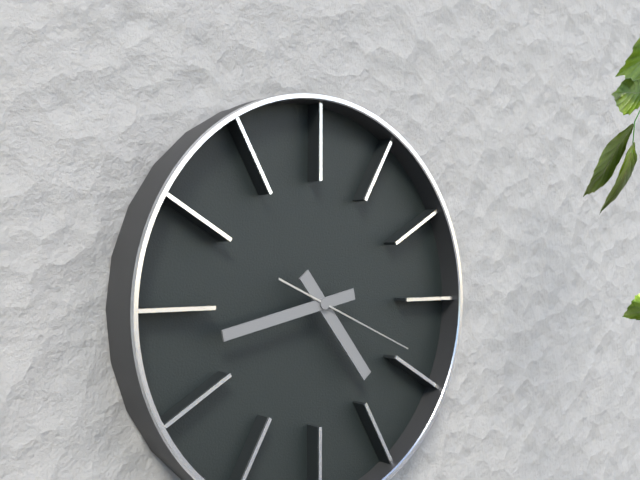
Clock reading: 4h43m19s
